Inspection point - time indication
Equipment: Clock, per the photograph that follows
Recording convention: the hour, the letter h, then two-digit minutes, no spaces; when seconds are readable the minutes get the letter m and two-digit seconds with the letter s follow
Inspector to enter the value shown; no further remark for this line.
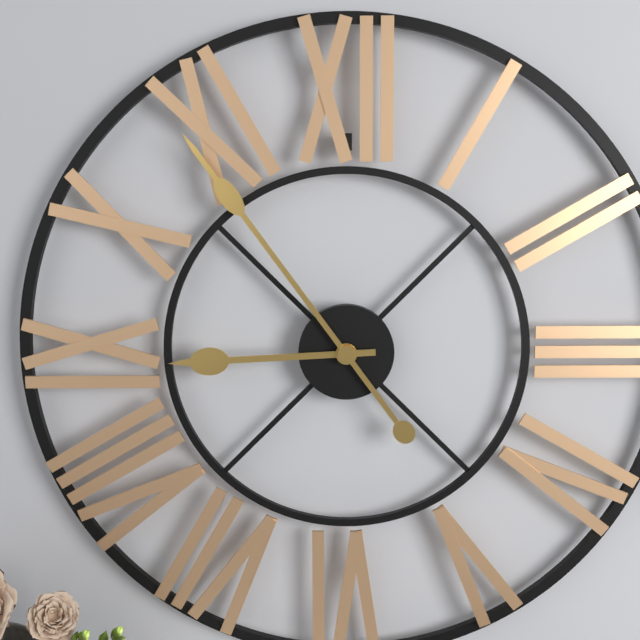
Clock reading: 8h54
